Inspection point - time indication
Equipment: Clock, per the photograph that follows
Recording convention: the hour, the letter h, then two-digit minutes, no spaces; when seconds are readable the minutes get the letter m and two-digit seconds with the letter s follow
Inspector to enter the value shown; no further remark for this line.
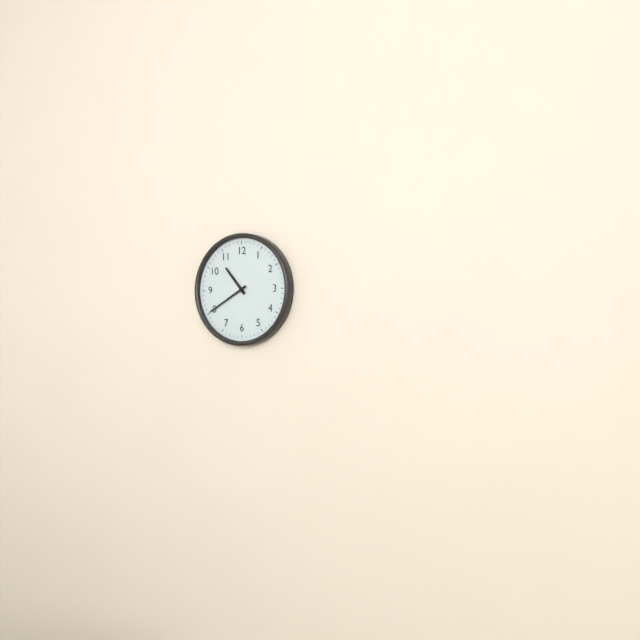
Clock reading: 10h40
